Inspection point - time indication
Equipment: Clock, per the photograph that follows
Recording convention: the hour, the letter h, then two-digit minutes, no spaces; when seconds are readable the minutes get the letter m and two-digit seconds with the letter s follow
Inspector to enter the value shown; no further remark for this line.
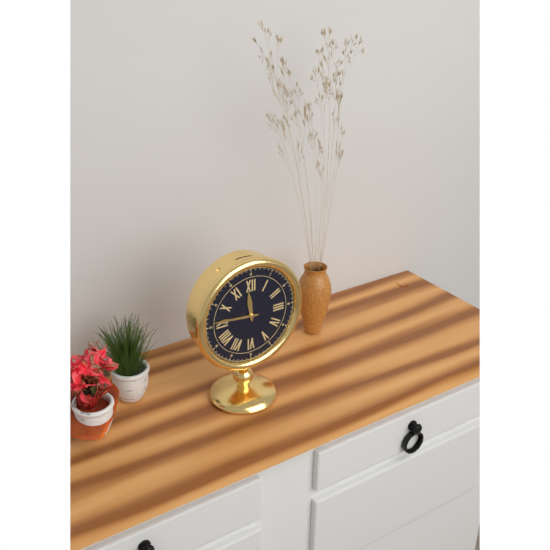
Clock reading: 11h46
